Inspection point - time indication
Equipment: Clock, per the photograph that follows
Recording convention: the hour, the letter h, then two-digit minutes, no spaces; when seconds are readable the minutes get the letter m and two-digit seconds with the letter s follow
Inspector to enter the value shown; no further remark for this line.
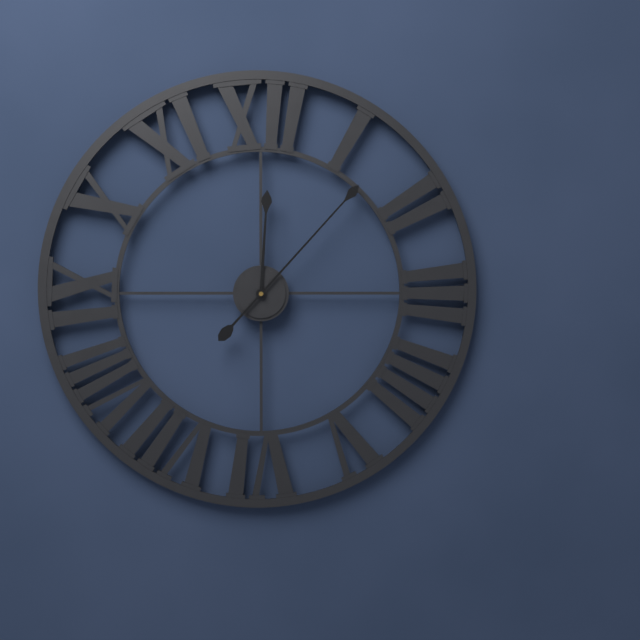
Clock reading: 12h07
